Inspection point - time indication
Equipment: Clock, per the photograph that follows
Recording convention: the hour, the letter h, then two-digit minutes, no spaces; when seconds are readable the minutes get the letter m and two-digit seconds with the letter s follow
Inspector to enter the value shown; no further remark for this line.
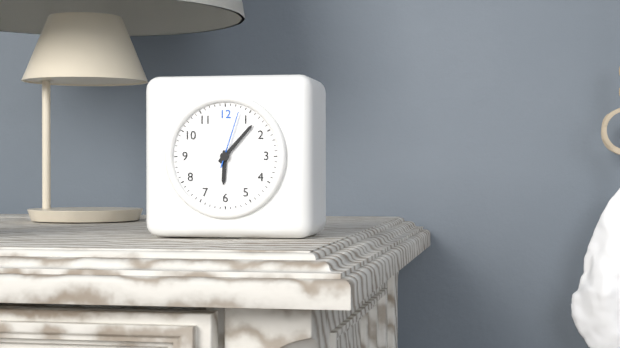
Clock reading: 6h07m03s
